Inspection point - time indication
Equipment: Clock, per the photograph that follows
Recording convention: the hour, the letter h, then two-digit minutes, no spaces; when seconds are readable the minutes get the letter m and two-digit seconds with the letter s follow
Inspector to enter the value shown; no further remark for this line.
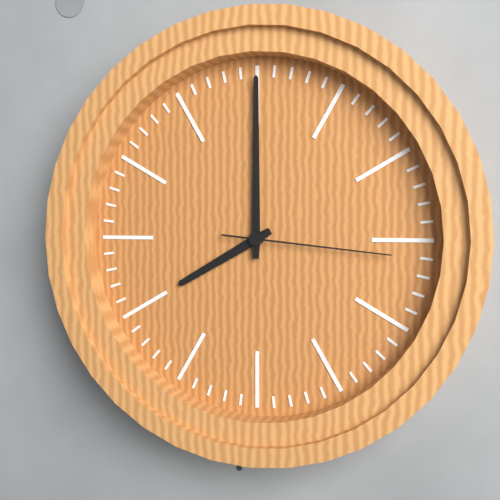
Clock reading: 8h00m16s
